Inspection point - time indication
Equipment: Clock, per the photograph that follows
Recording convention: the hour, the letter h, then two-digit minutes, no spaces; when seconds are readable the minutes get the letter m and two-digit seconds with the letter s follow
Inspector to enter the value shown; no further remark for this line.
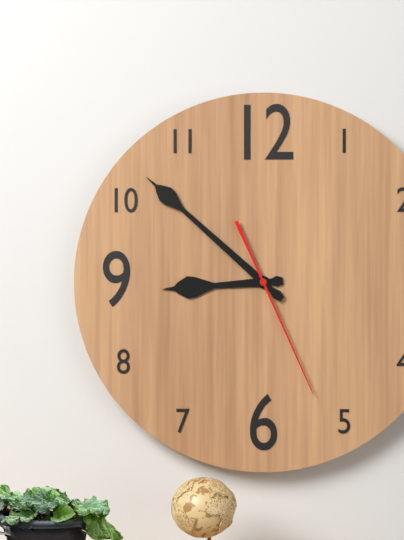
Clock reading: 8h52m26s
